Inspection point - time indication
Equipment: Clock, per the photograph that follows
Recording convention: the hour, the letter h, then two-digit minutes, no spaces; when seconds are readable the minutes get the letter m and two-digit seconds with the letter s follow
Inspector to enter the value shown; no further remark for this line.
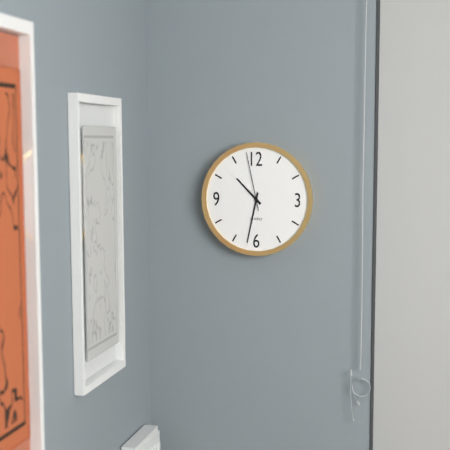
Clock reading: 10h32m58s
